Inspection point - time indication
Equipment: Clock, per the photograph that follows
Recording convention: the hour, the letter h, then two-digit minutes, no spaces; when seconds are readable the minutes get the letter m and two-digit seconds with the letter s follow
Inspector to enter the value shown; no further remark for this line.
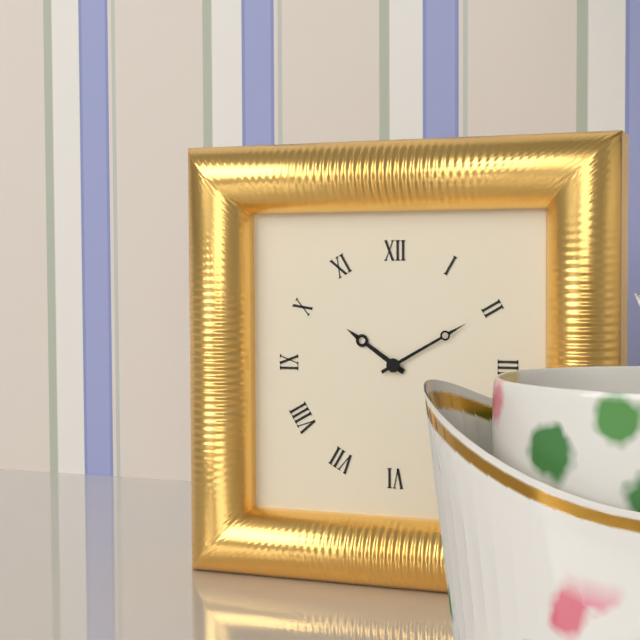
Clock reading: 10h10
